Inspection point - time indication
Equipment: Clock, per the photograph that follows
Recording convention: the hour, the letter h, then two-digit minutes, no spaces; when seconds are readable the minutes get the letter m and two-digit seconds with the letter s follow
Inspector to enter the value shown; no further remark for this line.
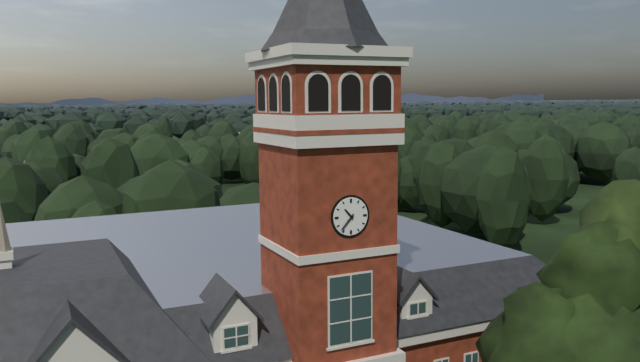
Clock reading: 10h37
